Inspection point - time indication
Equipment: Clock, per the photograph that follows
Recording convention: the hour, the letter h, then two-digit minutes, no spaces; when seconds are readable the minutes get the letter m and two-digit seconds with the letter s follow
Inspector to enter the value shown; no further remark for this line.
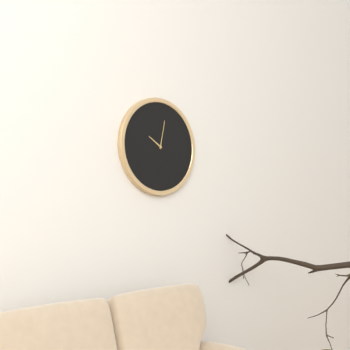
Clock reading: 10h02
